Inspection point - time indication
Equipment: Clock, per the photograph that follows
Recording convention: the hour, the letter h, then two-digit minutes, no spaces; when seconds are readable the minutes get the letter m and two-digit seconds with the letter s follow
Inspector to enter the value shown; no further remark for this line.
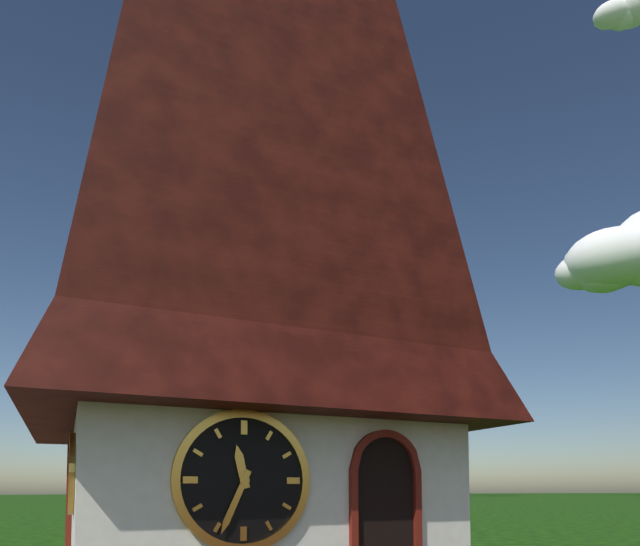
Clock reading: 11h34
